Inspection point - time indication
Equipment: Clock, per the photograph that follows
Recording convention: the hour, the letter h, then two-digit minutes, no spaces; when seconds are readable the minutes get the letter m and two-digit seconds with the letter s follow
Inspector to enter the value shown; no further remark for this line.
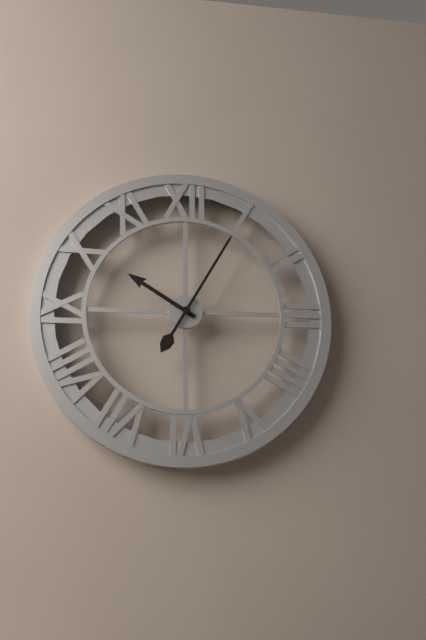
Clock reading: 10h05
